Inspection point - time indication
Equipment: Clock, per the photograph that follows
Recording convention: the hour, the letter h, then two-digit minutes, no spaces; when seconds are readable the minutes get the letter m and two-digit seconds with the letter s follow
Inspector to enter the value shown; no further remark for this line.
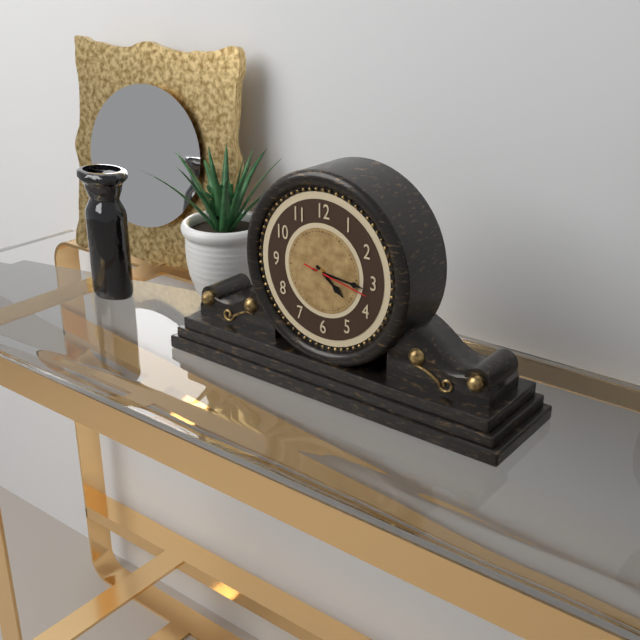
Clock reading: 4h16m17s
